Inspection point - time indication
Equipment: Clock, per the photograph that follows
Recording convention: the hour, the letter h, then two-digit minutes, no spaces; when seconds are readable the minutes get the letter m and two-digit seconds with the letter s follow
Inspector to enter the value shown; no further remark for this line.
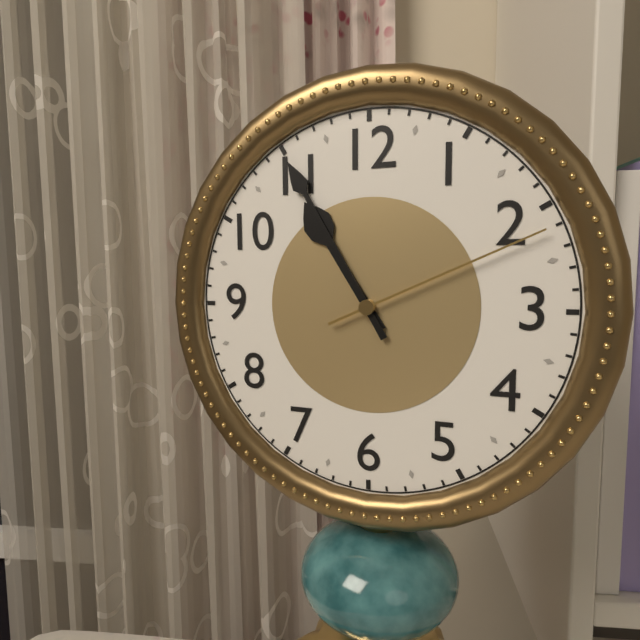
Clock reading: 10h55m11s
